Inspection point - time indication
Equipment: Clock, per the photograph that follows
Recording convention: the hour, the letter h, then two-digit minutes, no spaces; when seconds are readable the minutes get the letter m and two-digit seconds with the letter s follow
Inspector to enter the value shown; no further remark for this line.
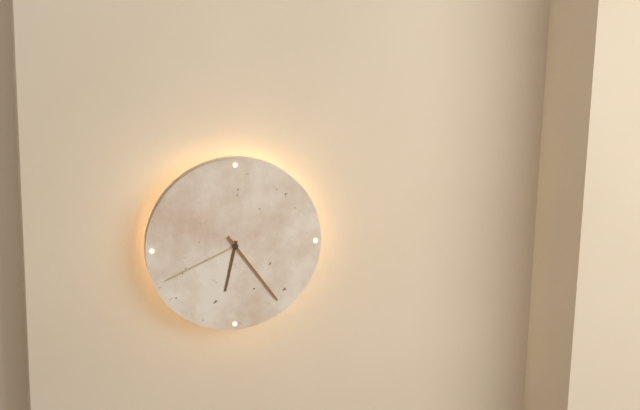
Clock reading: 6h24m41s
